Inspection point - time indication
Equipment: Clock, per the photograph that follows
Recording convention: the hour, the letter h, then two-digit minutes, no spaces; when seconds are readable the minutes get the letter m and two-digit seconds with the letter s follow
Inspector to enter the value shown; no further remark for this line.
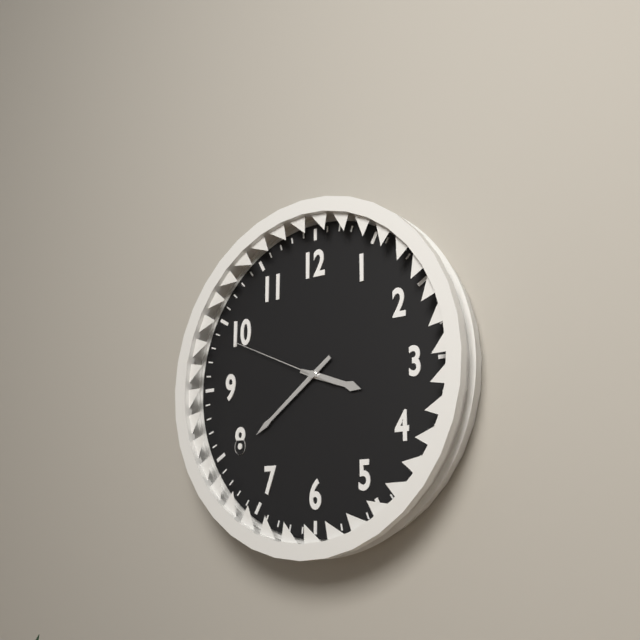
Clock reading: 3h39m49s
